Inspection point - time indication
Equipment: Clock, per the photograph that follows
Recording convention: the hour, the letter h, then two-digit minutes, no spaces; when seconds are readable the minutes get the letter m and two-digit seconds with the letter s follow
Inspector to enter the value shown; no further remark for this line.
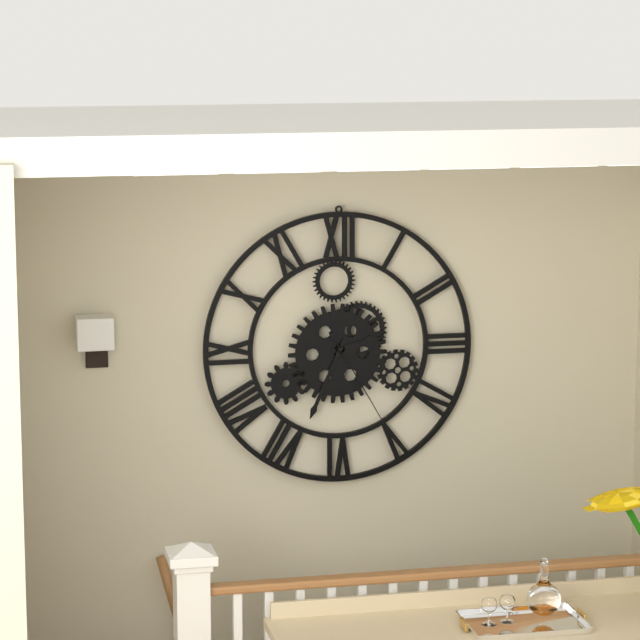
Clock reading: 2h34m25s
